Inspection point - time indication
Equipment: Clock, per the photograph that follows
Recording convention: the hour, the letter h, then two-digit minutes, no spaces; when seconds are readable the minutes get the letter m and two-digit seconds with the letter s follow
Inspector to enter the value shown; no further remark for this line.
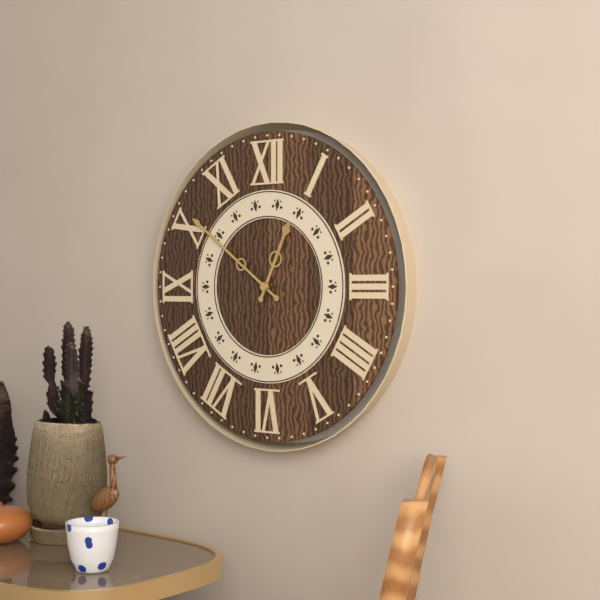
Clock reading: 12h51
